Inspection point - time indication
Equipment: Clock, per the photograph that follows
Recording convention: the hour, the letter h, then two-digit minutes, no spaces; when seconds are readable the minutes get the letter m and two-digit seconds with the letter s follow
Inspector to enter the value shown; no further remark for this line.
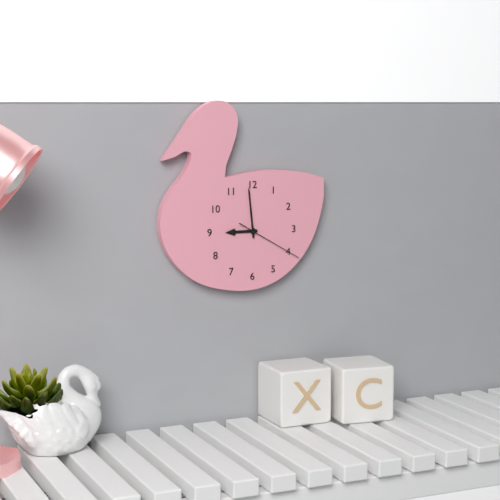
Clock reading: 8h59m20s
